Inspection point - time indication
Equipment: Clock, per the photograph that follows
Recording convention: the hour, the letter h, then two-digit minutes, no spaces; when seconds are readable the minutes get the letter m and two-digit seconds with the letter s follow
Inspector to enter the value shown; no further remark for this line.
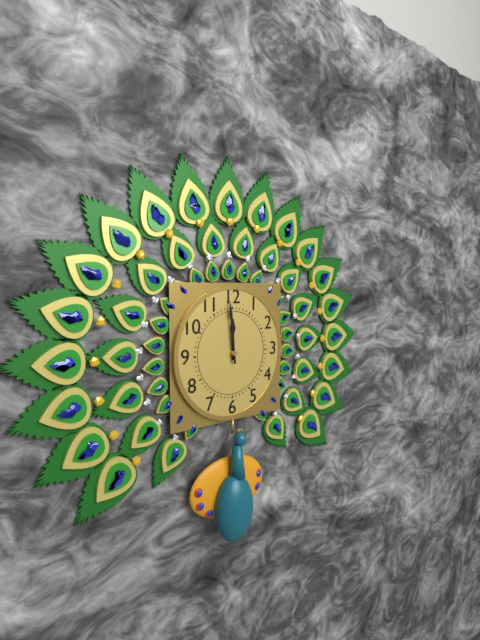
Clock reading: 11h59
